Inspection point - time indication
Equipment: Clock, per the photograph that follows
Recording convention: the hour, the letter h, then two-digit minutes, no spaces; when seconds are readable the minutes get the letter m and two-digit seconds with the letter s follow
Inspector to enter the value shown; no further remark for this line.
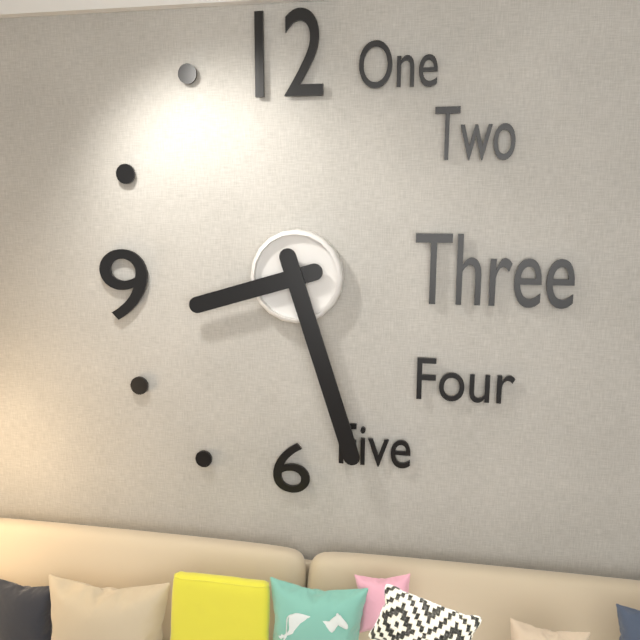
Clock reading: 8h27
